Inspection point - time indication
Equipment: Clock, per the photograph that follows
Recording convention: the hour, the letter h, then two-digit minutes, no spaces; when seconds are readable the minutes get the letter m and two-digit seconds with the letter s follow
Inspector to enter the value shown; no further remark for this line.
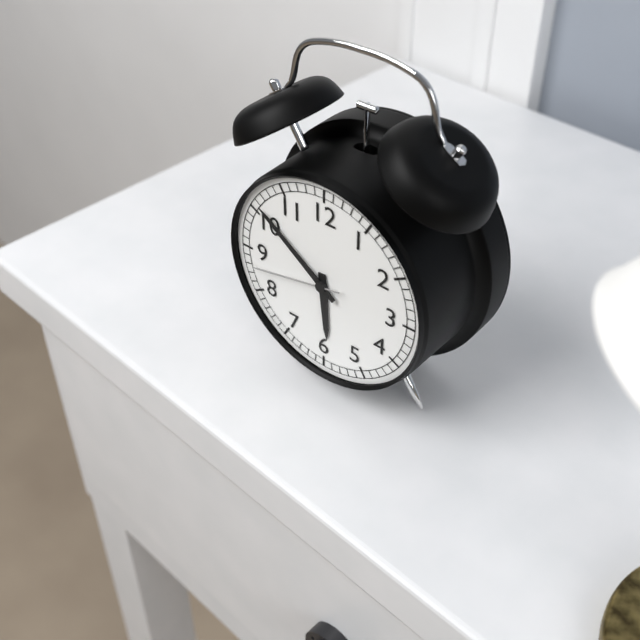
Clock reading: 5h51m43s
